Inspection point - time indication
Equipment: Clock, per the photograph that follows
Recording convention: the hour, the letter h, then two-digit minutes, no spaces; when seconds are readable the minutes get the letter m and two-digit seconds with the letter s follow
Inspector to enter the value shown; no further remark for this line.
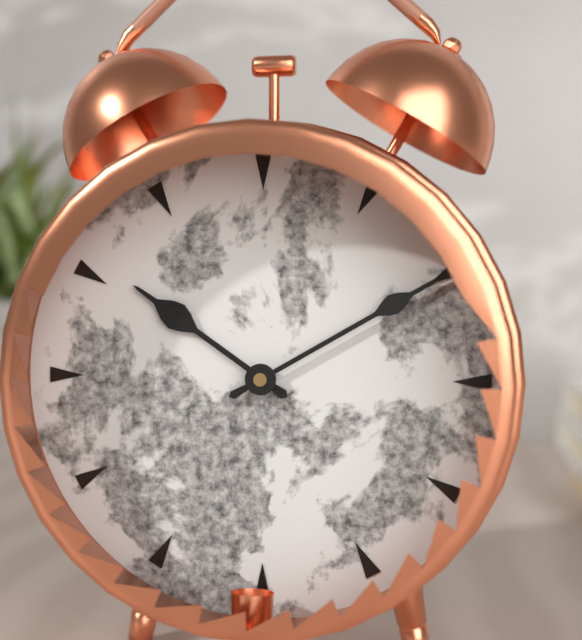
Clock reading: 10h10
